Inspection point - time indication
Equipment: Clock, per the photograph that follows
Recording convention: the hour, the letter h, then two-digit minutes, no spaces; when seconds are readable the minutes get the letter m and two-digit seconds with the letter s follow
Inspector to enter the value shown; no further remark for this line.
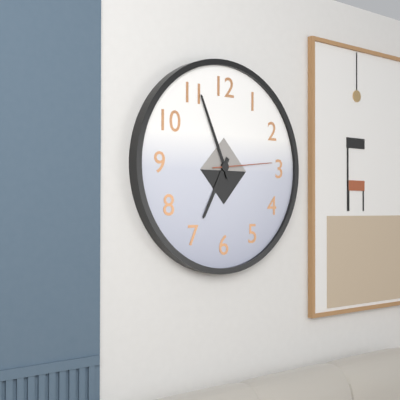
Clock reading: 6h56m14s
